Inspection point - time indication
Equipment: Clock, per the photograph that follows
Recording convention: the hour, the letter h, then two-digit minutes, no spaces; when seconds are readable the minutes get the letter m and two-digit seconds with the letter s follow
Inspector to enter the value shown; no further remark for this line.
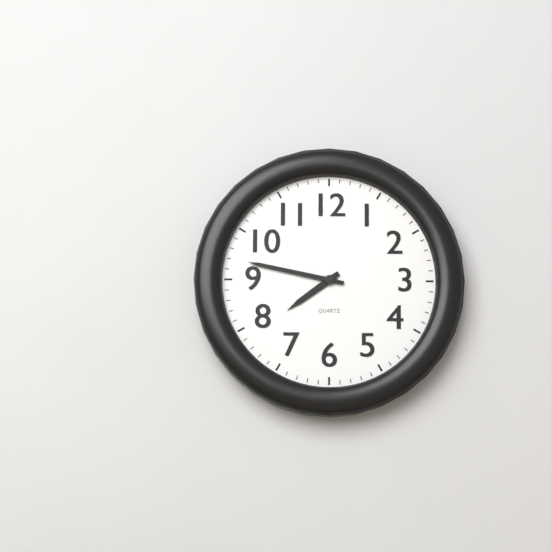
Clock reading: 7h47
